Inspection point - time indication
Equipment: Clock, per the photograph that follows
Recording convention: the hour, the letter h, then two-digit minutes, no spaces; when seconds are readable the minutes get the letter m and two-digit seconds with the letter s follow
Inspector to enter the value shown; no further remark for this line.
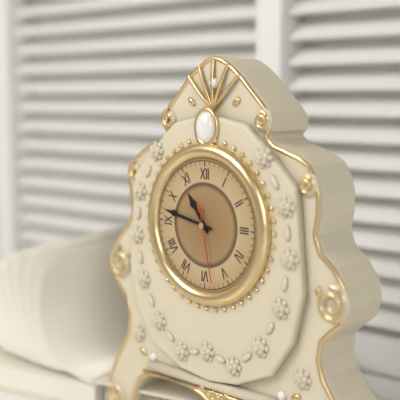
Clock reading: 10h47m28s
